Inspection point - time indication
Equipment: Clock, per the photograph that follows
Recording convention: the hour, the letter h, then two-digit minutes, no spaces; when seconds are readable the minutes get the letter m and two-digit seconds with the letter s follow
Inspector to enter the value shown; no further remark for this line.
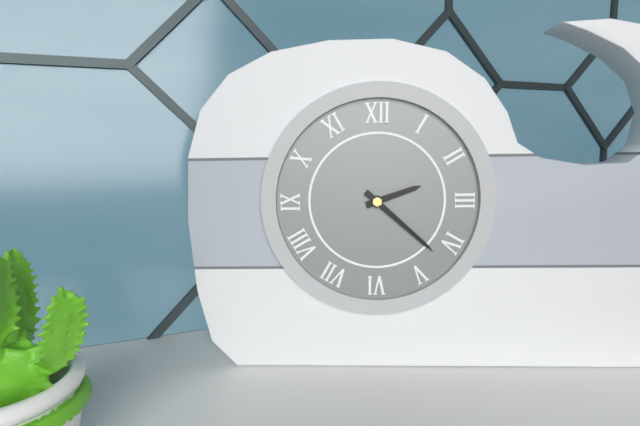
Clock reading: 2h22
